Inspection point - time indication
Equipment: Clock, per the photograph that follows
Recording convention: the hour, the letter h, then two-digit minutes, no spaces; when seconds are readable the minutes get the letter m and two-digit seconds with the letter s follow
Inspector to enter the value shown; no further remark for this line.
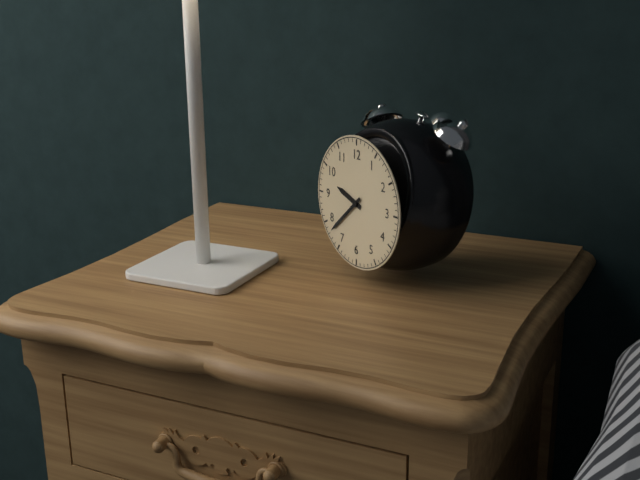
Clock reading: 9h38
